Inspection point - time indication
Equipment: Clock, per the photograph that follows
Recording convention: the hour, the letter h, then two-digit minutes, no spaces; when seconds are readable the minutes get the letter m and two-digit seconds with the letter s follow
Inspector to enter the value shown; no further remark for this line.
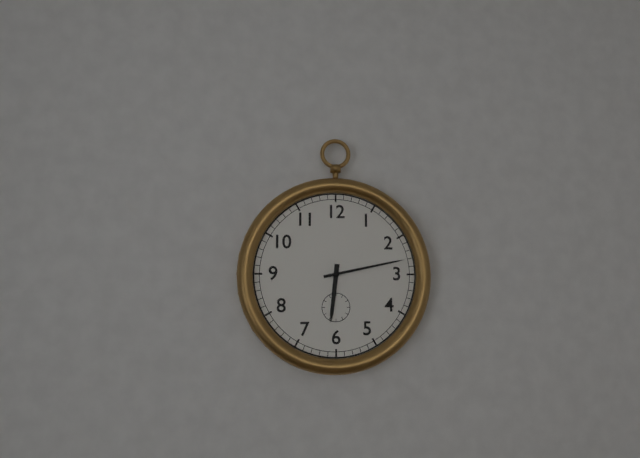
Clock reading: 6h13
